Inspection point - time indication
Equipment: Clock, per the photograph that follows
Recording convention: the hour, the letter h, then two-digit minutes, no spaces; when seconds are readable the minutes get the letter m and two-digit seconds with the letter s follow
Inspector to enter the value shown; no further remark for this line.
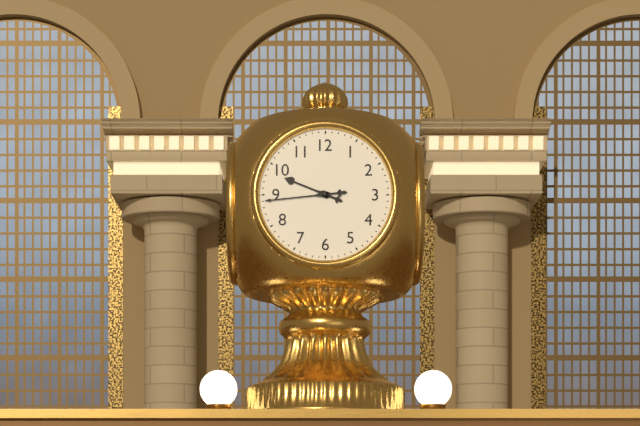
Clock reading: 9h44
